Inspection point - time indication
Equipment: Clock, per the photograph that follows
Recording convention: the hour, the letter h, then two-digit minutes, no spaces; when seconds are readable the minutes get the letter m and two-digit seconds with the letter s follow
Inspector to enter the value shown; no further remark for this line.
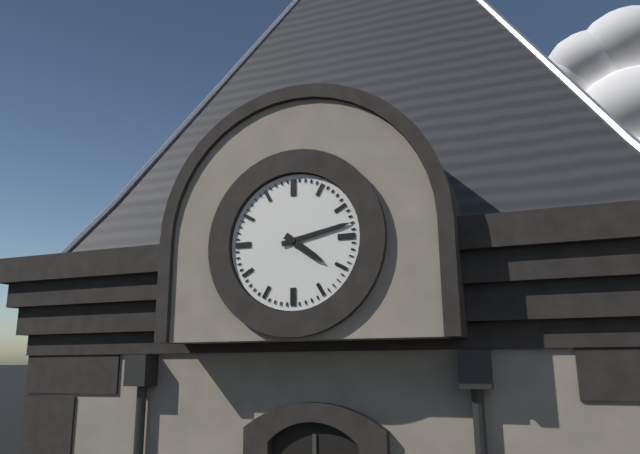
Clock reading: 4h13
